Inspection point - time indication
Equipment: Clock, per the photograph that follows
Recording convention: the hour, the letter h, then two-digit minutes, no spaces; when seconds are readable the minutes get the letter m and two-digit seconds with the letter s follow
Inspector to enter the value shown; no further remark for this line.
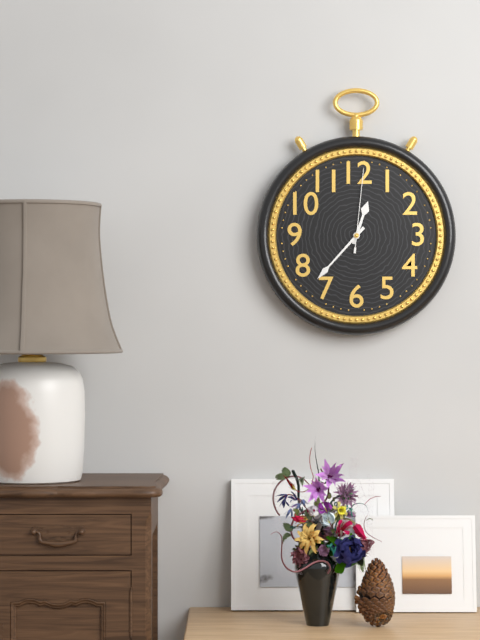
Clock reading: 12h37m01s
